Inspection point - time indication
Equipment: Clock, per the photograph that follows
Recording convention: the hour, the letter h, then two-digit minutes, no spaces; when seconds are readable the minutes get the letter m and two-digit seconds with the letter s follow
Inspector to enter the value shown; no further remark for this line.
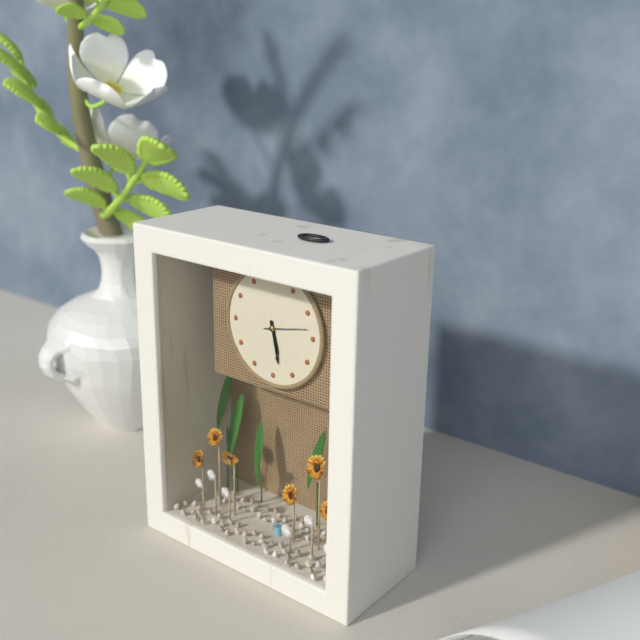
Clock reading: 5h28
